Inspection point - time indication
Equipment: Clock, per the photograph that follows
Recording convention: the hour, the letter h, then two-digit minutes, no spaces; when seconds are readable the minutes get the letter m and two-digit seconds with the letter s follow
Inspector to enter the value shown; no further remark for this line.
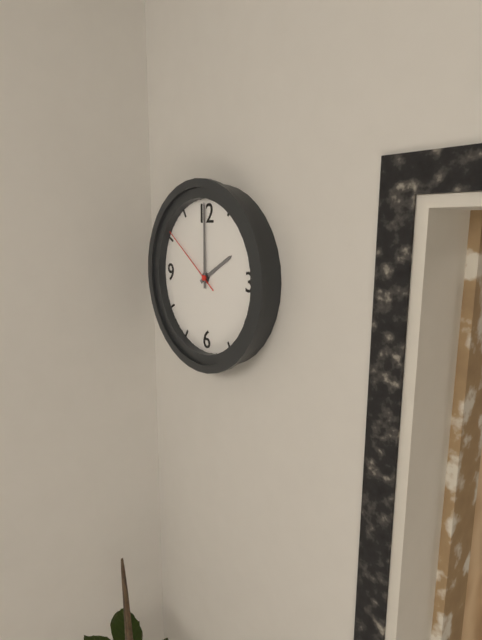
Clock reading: 2h00m51s
